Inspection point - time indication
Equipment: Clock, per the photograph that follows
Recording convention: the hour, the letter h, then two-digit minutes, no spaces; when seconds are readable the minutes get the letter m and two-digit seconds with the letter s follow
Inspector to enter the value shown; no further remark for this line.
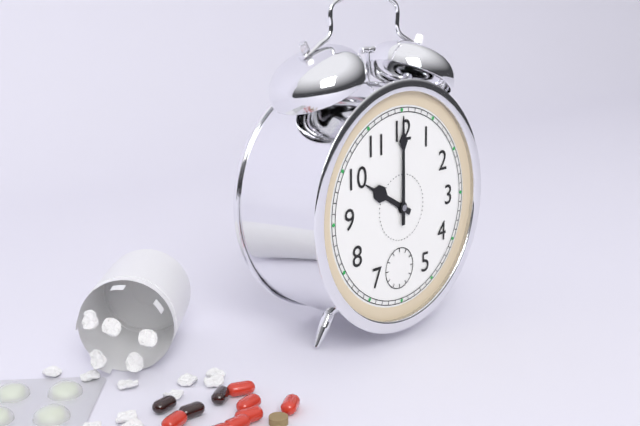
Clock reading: 10h00
